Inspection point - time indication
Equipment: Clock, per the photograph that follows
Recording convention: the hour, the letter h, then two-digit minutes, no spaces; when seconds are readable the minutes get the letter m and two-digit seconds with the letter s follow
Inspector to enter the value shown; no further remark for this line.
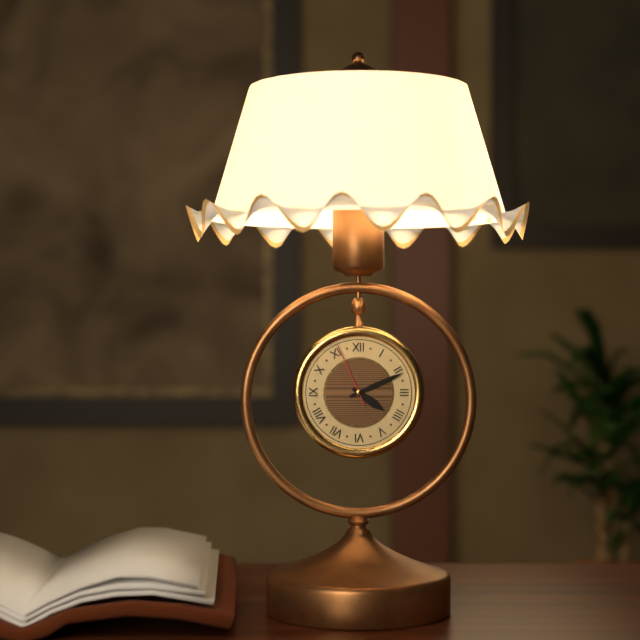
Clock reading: 4h11m56s
